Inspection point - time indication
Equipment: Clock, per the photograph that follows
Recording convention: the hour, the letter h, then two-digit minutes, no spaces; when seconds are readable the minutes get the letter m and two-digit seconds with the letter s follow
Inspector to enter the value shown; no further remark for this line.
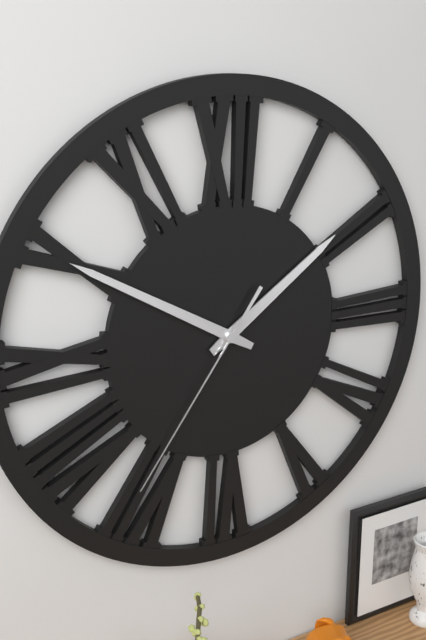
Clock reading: 1h50m36s
